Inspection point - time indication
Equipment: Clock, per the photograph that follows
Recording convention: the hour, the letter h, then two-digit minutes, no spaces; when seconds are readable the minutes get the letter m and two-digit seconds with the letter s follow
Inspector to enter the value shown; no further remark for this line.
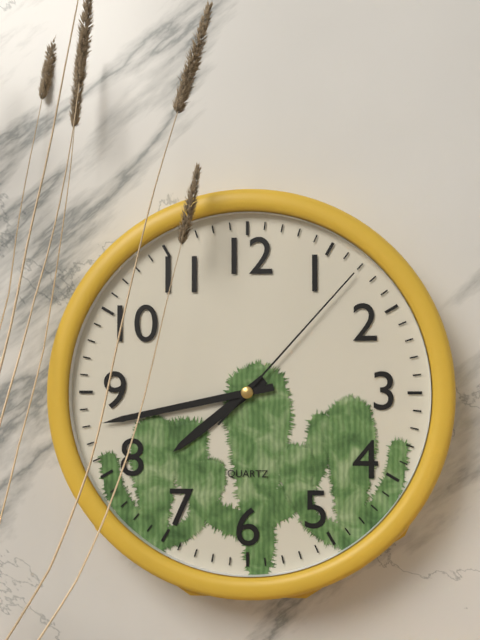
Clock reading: 7h43m07s
